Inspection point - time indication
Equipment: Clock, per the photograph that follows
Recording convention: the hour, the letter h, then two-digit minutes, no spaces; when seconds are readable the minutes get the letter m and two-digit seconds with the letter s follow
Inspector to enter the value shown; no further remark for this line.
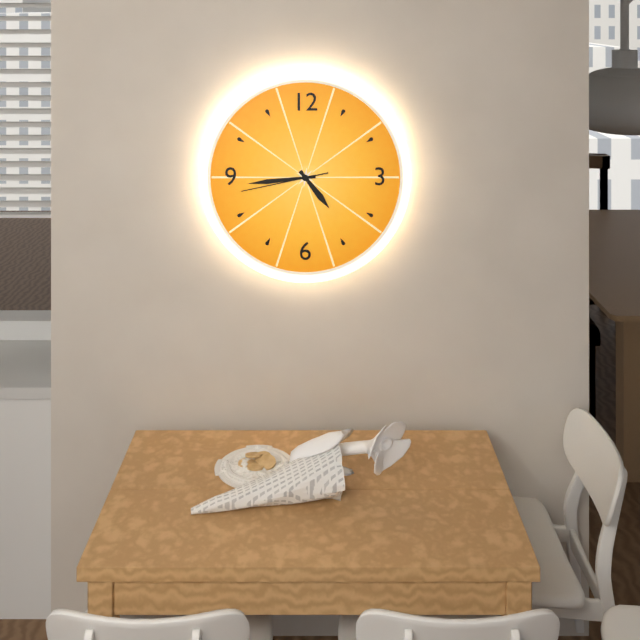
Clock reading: 4h44m43s
